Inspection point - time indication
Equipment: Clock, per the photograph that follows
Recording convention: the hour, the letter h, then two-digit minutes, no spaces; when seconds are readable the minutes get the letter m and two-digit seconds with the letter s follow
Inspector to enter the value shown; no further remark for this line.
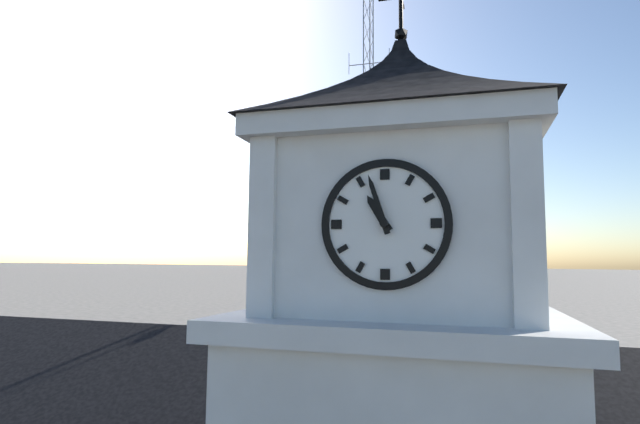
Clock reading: 10h57
